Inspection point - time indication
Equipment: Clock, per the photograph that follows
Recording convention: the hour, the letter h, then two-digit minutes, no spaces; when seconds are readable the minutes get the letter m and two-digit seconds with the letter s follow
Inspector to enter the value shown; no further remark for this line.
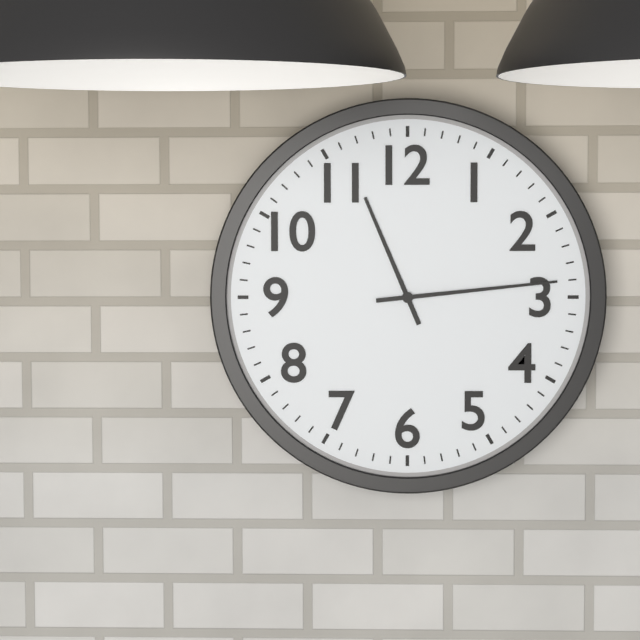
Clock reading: 11h14
